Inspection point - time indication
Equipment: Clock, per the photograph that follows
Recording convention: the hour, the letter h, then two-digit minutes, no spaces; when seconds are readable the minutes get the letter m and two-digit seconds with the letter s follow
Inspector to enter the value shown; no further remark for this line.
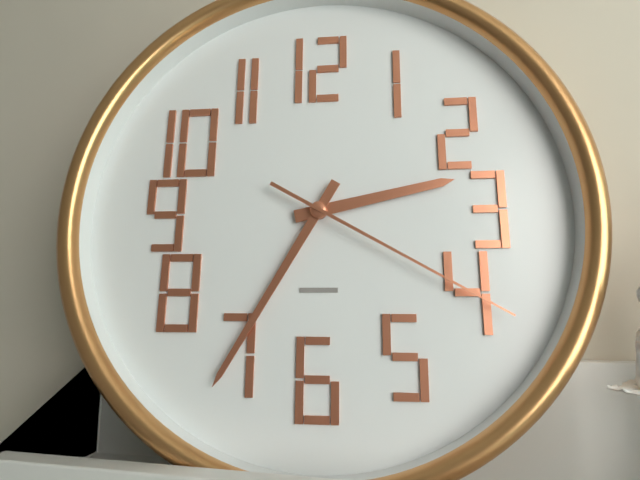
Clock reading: 2h35m20s
